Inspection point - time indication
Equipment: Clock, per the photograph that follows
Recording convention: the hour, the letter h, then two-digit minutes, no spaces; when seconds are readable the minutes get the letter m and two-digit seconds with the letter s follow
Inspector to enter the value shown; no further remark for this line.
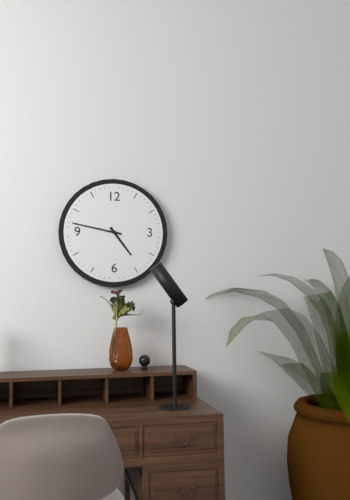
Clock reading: 4h47
